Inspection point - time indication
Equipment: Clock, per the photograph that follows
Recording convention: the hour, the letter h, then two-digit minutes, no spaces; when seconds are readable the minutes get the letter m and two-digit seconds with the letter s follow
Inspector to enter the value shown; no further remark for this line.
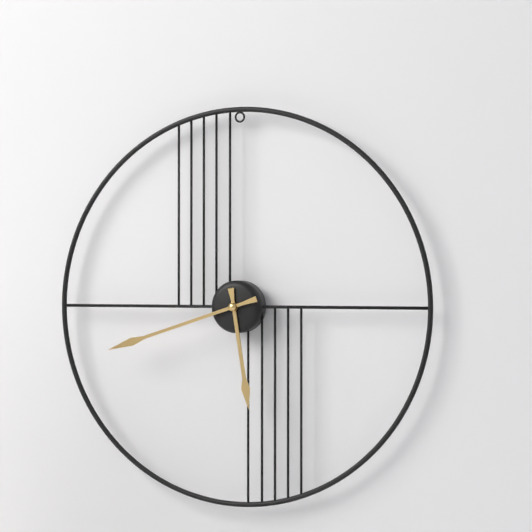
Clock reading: 5h42
